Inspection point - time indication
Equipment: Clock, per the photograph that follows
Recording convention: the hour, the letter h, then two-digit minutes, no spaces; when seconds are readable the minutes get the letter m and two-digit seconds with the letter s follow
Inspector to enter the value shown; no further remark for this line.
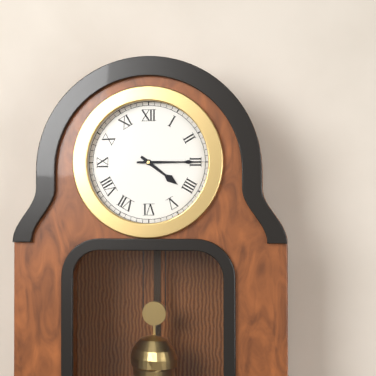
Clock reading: 4h15
